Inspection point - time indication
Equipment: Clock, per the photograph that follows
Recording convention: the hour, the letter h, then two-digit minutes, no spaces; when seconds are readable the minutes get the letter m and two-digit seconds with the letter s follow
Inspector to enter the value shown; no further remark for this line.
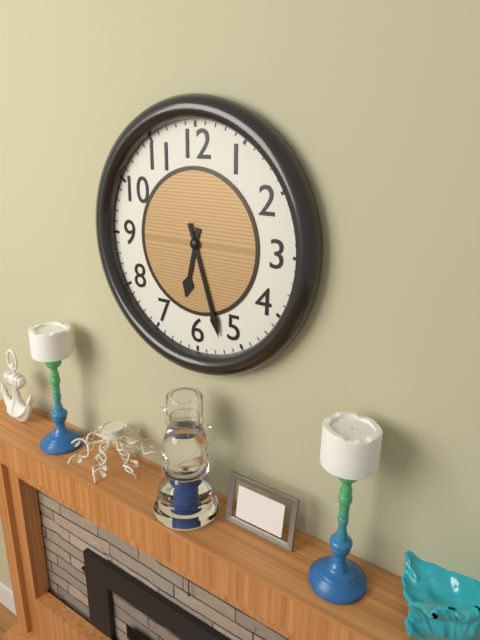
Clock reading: 6h27
